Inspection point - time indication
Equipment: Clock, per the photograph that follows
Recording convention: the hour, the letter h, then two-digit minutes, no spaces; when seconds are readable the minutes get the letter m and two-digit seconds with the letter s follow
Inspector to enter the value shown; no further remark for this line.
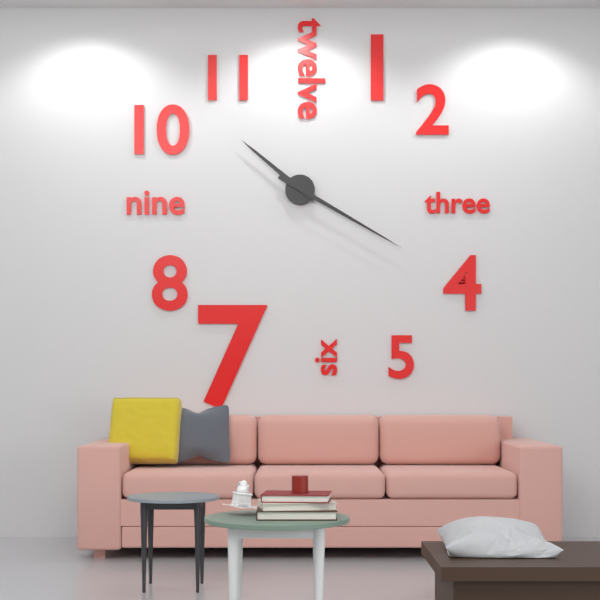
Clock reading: 10h20
